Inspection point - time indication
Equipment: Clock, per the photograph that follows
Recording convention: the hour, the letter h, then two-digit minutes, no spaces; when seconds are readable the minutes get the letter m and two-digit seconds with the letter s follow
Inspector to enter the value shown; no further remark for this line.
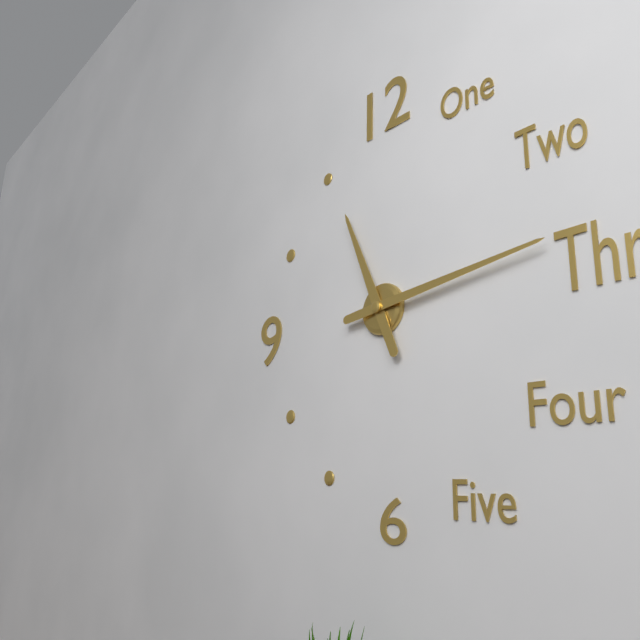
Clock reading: 11h14
